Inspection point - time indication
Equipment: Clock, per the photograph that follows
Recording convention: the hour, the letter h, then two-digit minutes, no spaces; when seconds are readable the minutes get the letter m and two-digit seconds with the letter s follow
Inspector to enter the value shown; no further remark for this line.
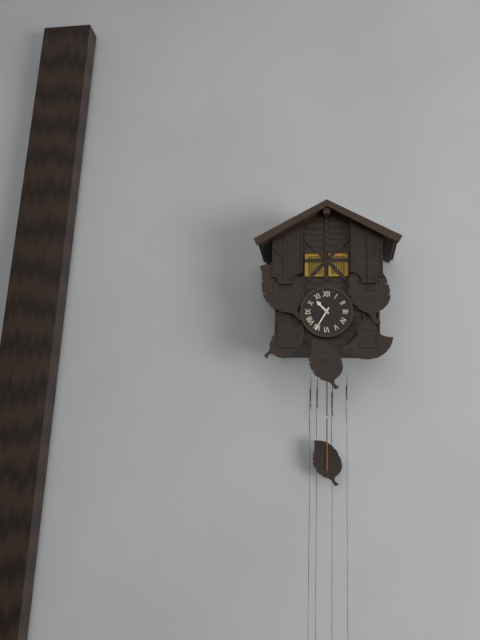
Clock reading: 10h35
